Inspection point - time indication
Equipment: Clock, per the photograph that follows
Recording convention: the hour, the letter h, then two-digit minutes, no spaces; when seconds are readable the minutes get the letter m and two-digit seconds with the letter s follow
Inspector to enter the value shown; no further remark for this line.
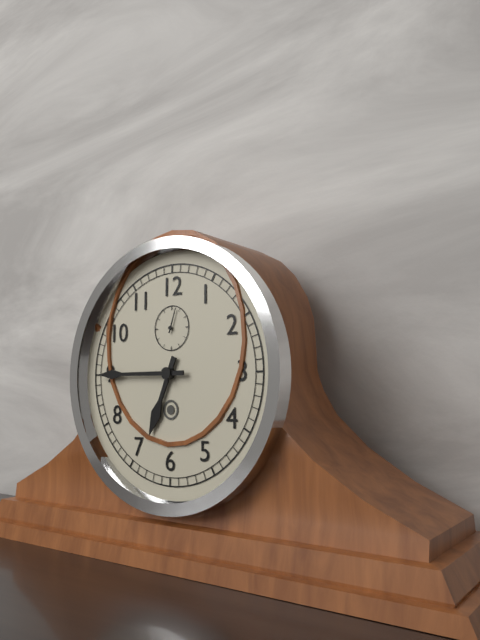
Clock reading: 6h45
